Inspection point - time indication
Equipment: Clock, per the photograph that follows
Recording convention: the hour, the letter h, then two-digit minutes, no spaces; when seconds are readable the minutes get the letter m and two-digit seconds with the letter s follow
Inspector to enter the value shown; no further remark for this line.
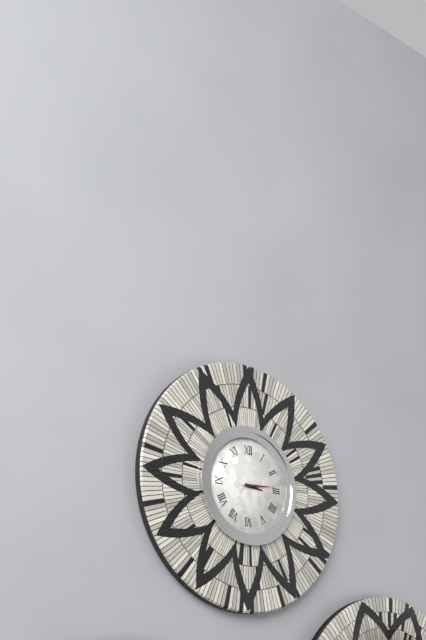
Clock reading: 3h14
